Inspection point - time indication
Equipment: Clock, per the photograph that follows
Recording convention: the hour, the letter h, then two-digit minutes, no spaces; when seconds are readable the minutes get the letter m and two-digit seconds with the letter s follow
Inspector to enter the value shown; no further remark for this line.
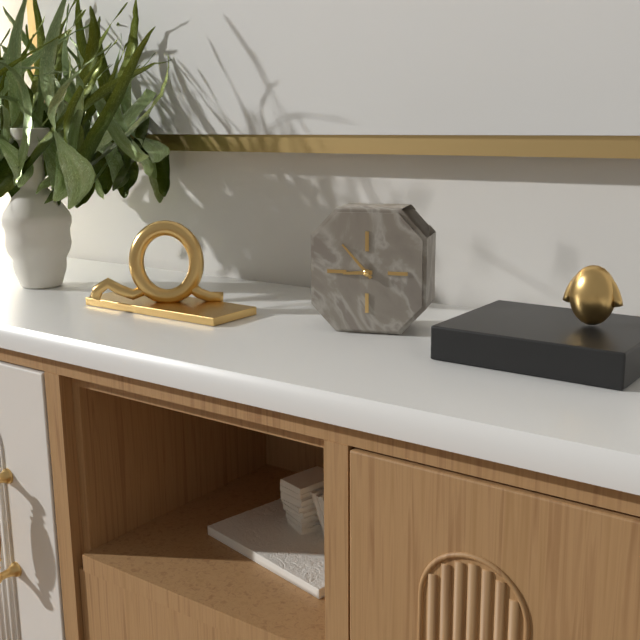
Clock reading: 8h53
